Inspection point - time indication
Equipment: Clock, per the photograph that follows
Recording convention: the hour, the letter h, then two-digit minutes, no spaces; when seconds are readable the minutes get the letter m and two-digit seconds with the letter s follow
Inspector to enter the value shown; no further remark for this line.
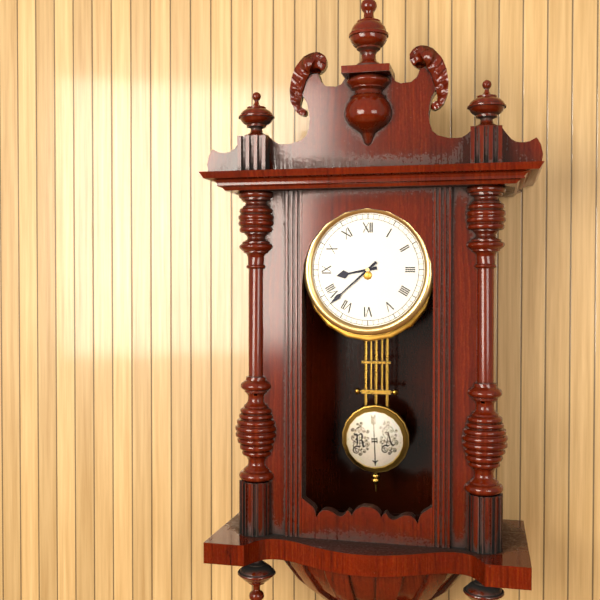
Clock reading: 8h38
